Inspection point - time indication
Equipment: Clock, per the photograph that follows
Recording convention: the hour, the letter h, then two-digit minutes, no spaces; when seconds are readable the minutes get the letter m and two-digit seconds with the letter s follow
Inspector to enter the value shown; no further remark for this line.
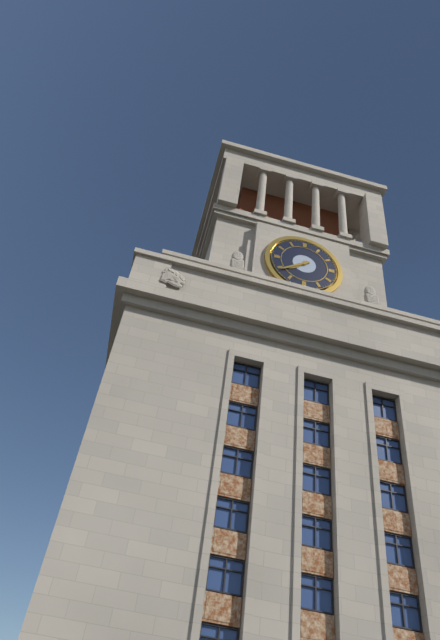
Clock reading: 7h39
